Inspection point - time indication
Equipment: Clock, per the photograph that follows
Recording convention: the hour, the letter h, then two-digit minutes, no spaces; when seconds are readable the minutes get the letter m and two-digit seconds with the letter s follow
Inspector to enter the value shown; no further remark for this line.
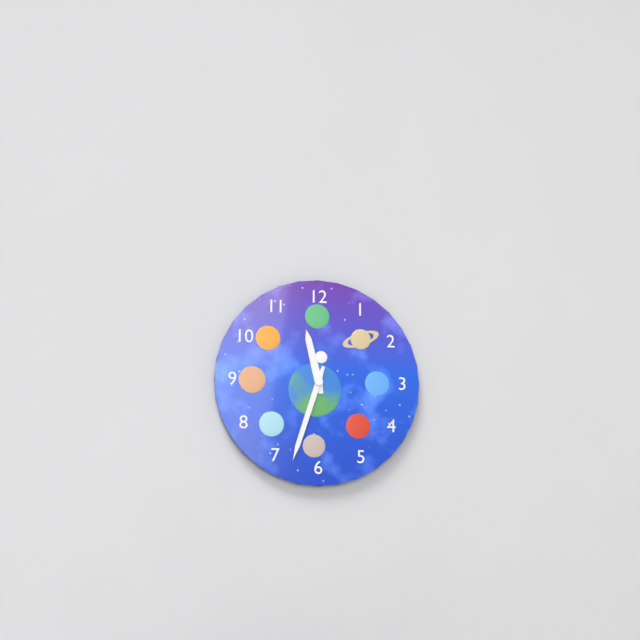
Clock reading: 11h33
